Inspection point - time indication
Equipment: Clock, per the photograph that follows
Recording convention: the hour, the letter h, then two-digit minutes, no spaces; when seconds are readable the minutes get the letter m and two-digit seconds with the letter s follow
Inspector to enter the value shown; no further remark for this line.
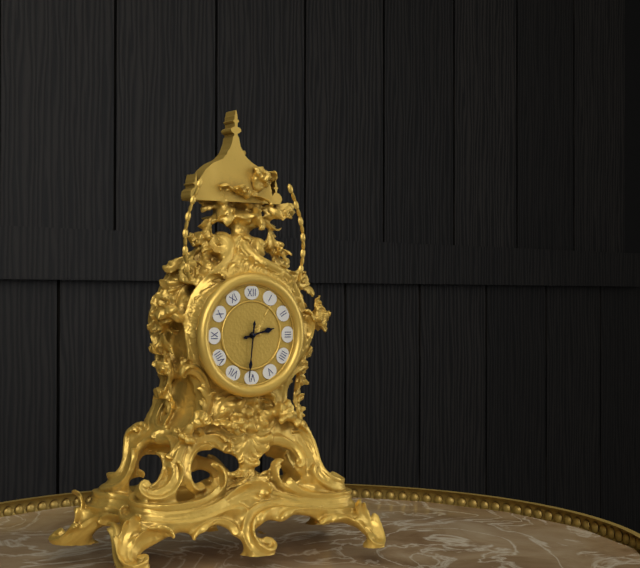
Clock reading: 2h31
